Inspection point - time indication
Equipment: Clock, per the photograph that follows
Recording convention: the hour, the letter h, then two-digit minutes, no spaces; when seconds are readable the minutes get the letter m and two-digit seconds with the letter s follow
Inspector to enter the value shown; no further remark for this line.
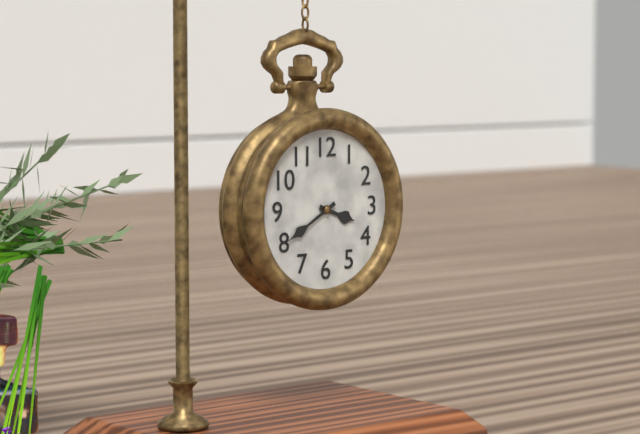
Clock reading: 3h40
